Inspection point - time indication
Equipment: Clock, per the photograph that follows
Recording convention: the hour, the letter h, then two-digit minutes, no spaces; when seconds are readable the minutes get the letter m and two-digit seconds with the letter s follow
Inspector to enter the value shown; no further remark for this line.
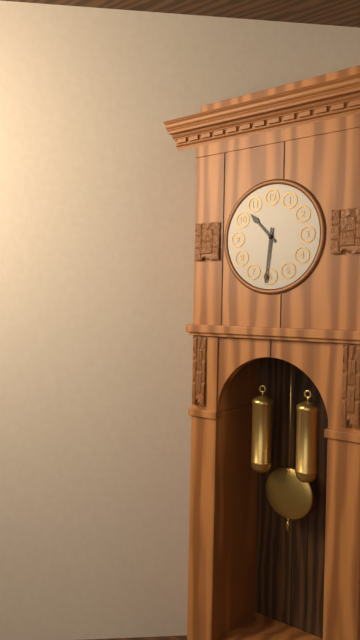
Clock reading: 10h31
